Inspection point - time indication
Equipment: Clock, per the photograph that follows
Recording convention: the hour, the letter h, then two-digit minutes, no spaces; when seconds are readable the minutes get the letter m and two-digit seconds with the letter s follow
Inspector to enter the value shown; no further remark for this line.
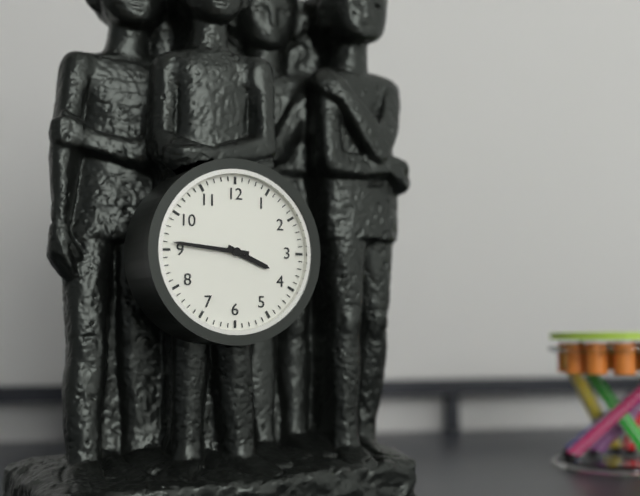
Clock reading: 3h46
